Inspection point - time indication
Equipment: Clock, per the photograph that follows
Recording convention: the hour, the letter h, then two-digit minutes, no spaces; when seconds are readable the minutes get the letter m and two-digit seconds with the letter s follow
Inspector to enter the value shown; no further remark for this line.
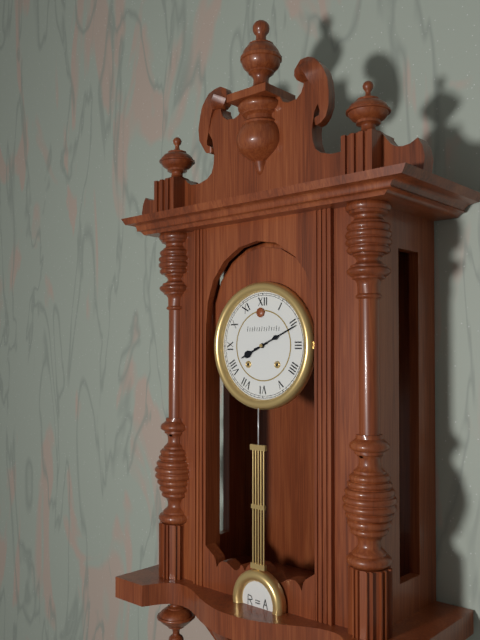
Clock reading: 8h11
